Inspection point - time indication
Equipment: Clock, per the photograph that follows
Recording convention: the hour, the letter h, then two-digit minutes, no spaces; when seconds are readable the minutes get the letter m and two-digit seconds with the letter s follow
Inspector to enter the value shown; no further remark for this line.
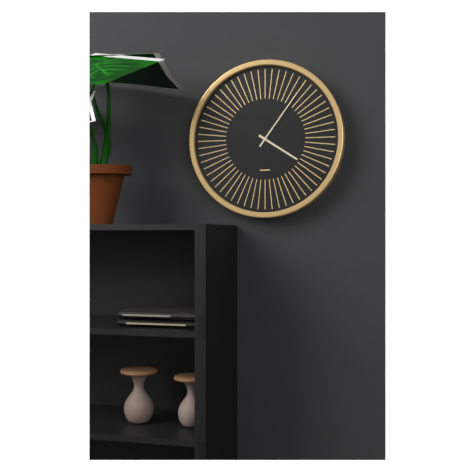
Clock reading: 4h06
